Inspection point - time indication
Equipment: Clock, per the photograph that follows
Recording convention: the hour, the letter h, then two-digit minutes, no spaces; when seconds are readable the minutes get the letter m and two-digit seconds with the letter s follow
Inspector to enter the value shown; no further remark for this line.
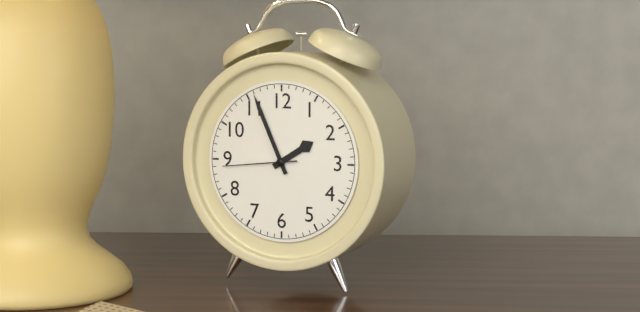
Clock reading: 1h56m44s
